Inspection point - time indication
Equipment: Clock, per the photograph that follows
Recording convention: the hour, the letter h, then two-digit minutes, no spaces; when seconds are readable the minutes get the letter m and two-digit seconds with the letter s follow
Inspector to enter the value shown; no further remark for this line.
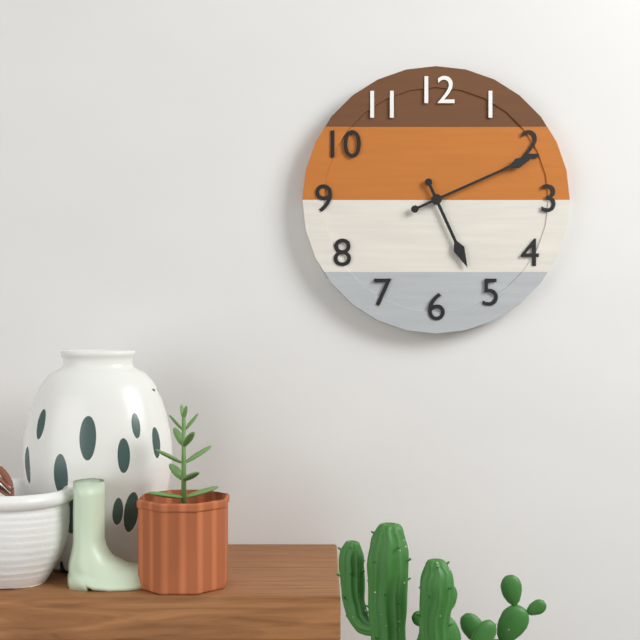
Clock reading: 5h11
